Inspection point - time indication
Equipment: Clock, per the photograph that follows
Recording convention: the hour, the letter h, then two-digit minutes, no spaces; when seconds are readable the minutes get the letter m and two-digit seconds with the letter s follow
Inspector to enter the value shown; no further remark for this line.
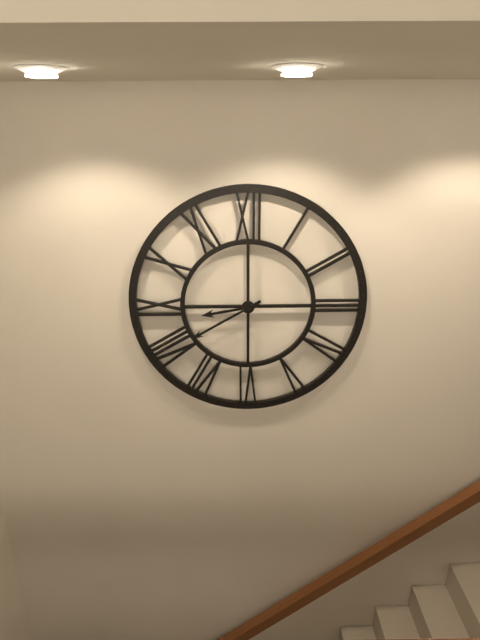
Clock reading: 8h40
